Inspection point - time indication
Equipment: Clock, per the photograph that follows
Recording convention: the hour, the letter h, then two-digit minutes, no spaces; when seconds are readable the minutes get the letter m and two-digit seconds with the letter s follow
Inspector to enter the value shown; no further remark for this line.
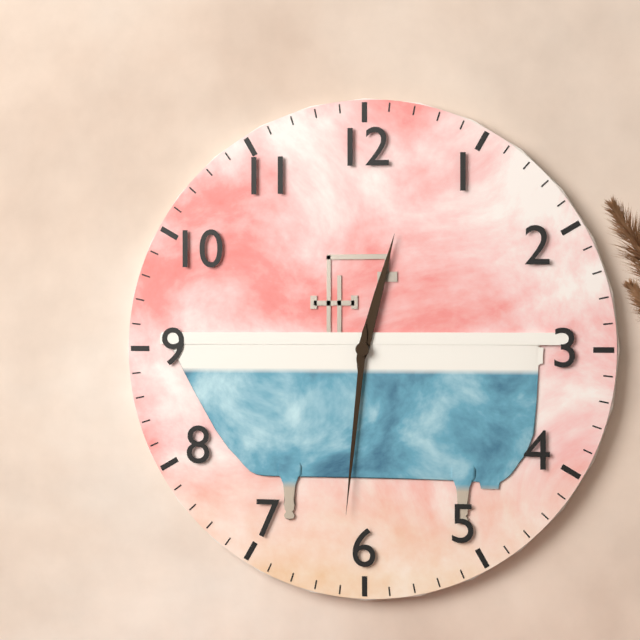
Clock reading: 12h31
